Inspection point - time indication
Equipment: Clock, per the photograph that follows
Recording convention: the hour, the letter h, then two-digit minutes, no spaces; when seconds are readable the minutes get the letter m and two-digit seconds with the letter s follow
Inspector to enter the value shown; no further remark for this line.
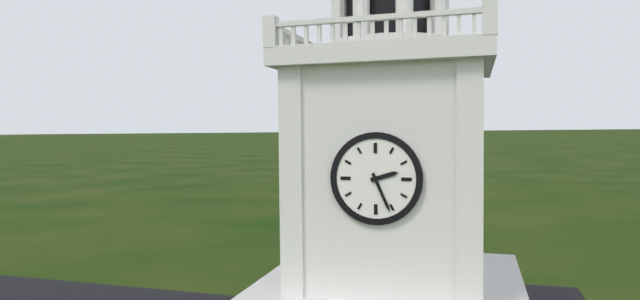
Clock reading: 2h26
